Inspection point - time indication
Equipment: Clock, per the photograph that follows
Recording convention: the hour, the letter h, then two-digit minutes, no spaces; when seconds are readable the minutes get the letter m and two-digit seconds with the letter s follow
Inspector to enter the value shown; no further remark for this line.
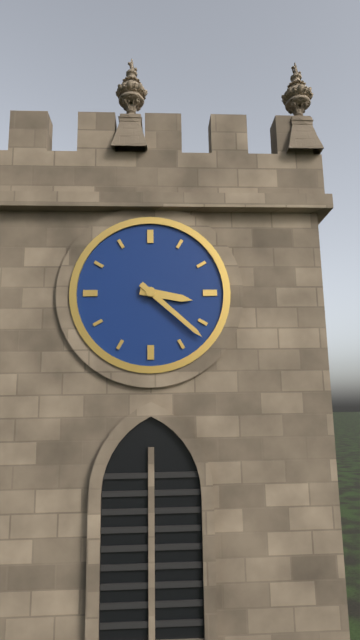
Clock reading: 3h22
